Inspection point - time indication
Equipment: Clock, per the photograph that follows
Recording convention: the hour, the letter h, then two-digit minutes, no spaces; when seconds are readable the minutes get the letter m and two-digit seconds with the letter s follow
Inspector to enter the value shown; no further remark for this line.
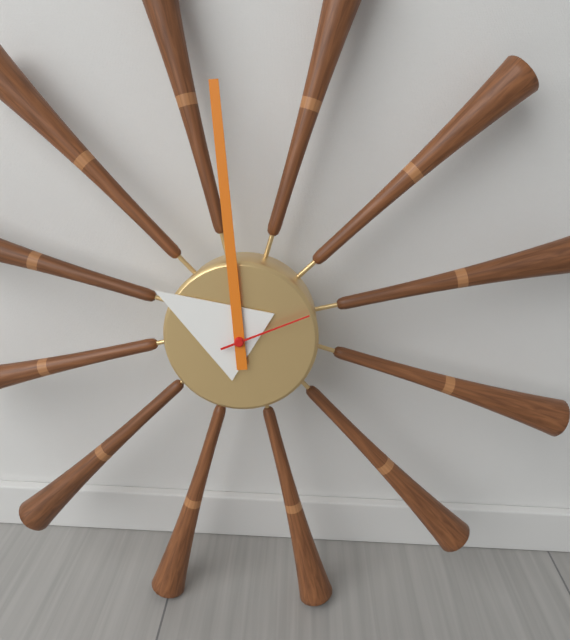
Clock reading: 9h59m11s
